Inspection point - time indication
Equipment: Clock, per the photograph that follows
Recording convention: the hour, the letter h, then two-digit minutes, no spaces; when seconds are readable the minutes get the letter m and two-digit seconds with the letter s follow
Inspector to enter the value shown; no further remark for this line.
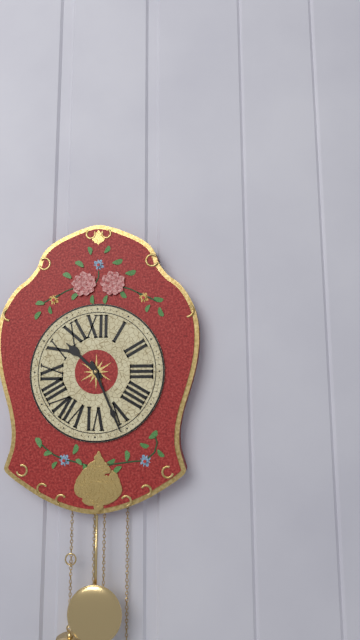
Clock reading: 10h26
